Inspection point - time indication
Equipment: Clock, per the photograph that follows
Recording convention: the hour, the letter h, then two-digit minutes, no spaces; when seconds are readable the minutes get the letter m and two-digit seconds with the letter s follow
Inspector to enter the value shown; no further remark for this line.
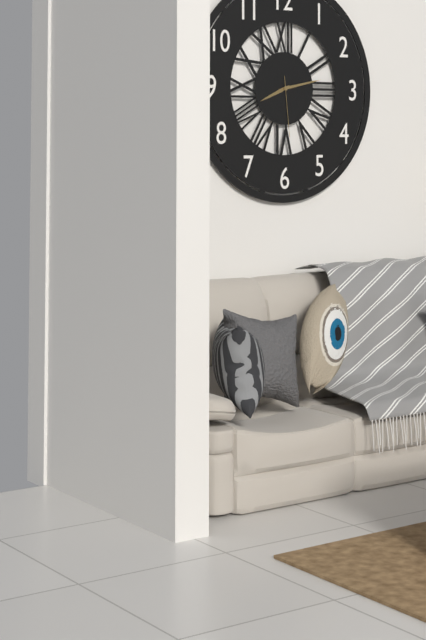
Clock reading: 8h13m29s
